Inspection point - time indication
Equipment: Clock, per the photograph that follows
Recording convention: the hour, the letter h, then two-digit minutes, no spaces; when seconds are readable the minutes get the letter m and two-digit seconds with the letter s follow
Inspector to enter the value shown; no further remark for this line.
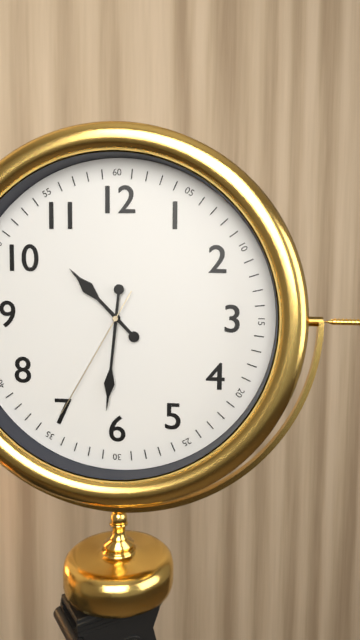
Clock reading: 10h31m35s
